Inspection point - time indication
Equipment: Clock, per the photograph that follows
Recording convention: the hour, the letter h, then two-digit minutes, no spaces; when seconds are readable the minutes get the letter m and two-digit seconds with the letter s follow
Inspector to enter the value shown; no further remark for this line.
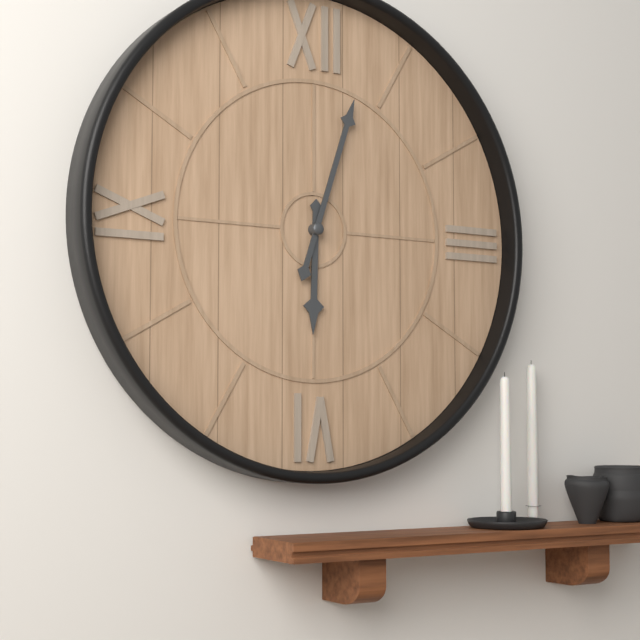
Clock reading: 6h03
